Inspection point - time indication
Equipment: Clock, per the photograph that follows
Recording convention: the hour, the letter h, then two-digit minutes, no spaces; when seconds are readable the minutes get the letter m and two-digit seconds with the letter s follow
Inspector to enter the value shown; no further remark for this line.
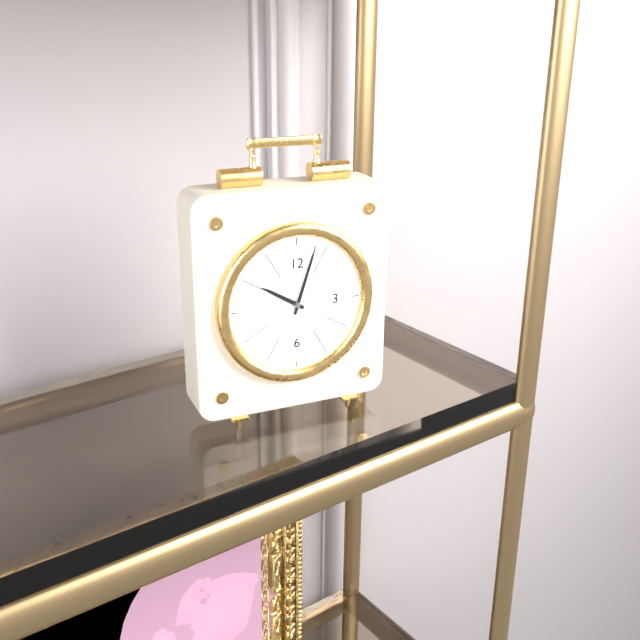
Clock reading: 10h03
